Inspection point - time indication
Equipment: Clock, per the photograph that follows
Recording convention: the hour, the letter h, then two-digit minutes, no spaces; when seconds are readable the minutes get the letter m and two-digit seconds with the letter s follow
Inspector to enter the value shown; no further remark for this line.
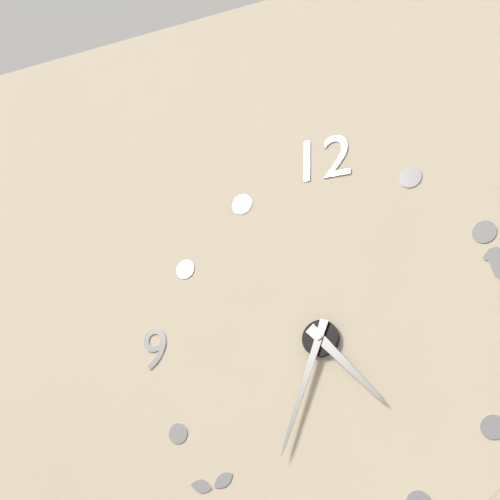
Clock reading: 4h33
